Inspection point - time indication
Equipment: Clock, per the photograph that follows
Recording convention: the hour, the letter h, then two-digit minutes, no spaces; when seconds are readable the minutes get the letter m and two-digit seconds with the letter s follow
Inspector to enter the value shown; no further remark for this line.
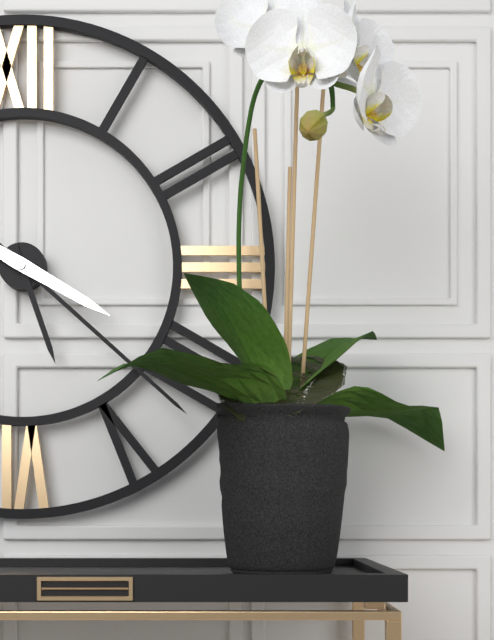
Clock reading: 5h22m20s
